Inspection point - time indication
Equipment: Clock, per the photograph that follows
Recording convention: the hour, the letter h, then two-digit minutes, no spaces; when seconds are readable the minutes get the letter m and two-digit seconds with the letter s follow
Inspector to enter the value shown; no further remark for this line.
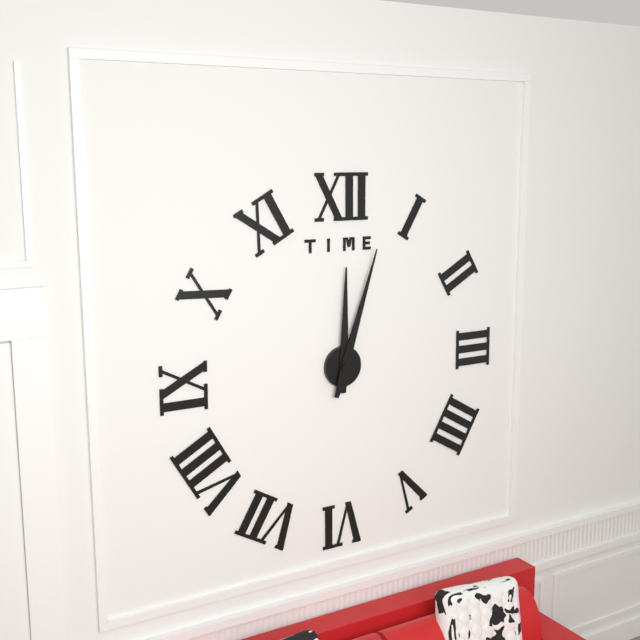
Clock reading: 12h03
